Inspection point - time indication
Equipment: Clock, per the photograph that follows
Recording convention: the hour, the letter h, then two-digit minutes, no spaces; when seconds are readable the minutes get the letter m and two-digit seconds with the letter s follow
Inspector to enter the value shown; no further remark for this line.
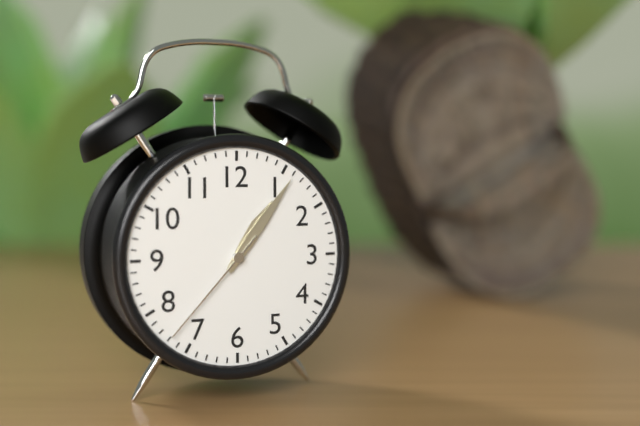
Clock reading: 1h06m37s
